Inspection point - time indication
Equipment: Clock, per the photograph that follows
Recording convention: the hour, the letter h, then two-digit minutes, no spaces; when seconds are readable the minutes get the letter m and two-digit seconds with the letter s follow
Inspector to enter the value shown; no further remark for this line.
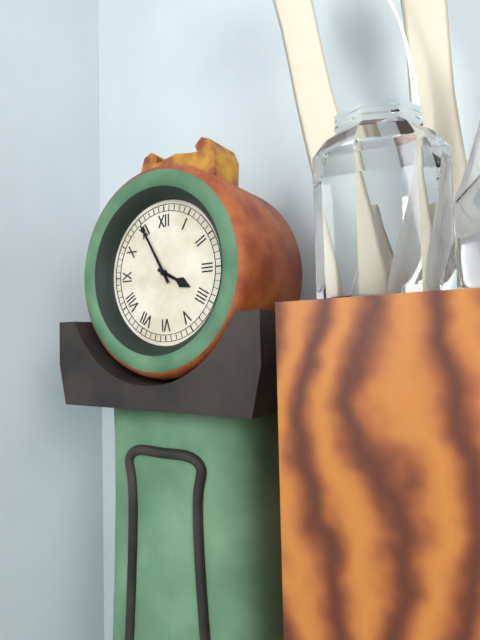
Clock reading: 3h55
